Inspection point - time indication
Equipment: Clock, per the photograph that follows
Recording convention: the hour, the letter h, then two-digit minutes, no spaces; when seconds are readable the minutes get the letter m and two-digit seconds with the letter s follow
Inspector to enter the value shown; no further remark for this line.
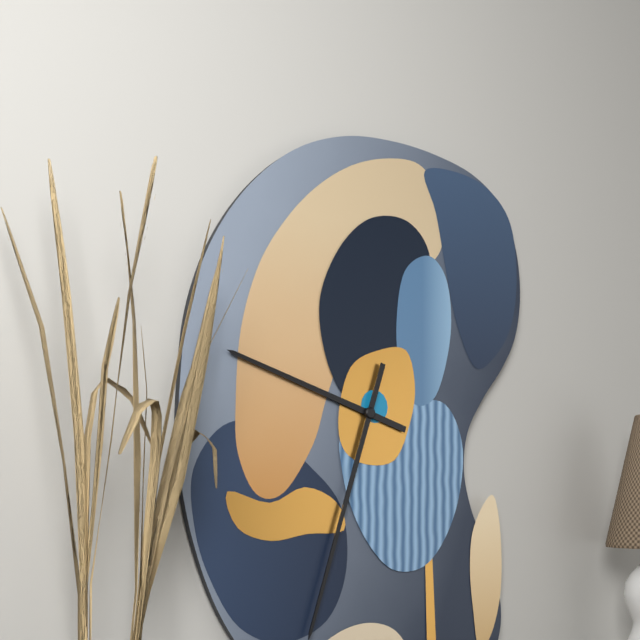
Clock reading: 9h33
